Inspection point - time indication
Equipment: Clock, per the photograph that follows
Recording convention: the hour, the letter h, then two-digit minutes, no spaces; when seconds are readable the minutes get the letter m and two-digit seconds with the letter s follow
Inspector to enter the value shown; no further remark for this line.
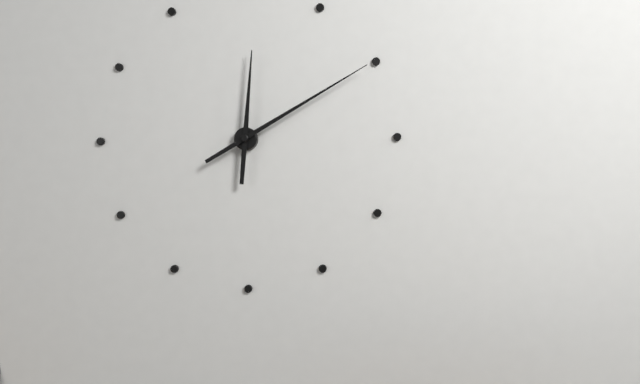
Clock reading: 12h10
